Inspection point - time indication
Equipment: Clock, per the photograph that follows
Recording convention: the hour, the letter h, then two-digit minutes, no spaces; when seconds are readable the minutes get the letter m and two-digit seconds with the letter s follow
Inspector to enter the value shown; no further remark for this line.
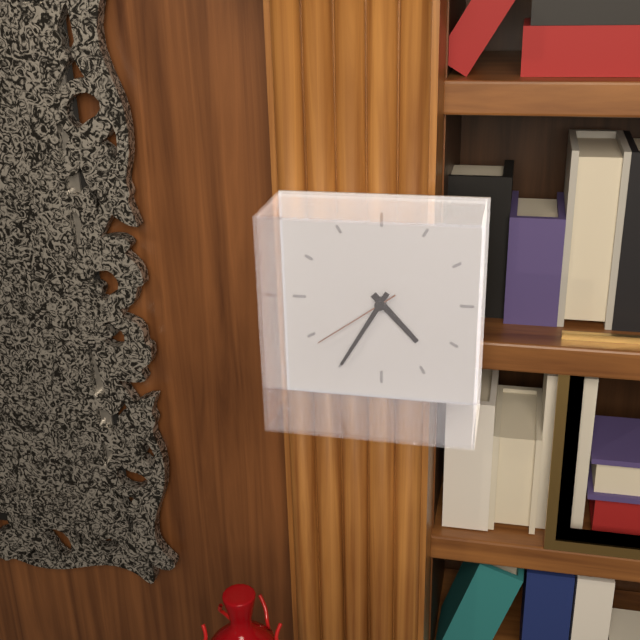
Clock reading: 4h35m39s
